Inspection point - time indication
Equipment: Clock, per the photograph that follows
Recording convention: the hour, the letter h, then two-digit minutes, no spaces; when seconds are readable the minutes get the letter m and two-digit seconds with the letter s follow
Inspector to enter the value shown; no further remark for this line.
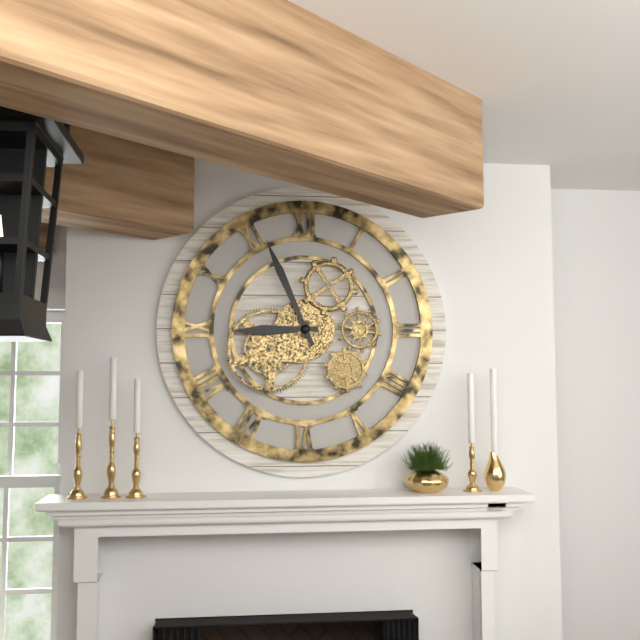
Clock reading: 8h56
